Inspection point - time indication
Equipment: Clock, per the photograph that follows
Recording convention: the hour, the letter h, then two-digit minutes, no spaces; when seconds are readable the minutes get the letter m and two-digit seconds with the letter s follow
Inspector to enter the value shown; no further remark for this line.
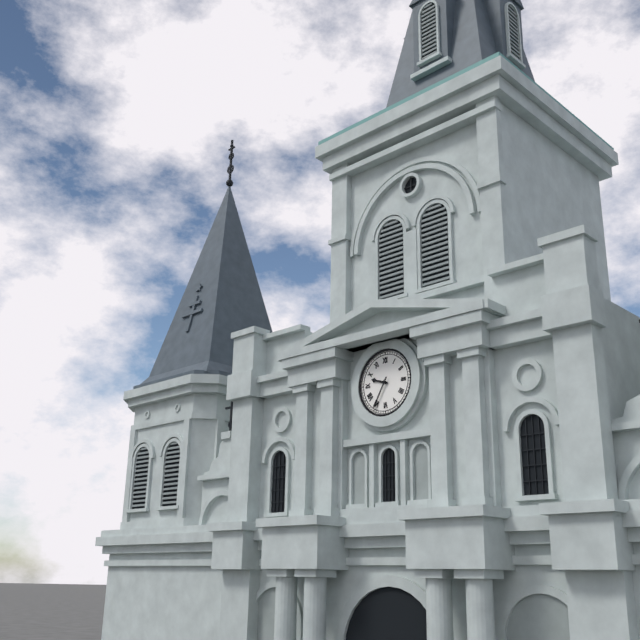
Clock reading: 9h35
